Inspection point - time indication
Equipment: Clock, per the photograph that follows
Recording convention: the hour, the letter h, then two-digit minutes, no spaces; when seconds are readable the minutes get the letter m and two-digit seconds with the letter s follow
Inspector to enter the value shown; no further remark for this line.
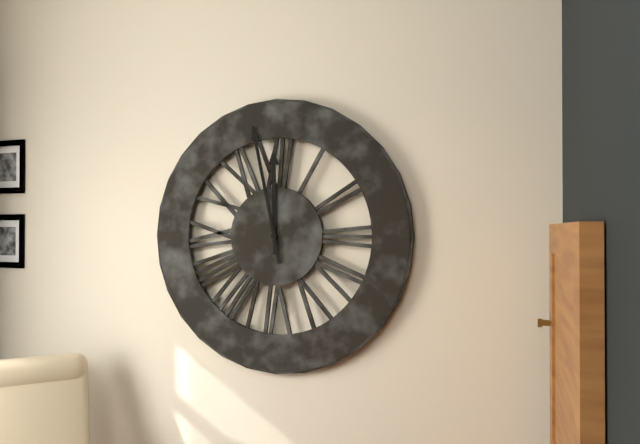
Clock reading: 11h58
